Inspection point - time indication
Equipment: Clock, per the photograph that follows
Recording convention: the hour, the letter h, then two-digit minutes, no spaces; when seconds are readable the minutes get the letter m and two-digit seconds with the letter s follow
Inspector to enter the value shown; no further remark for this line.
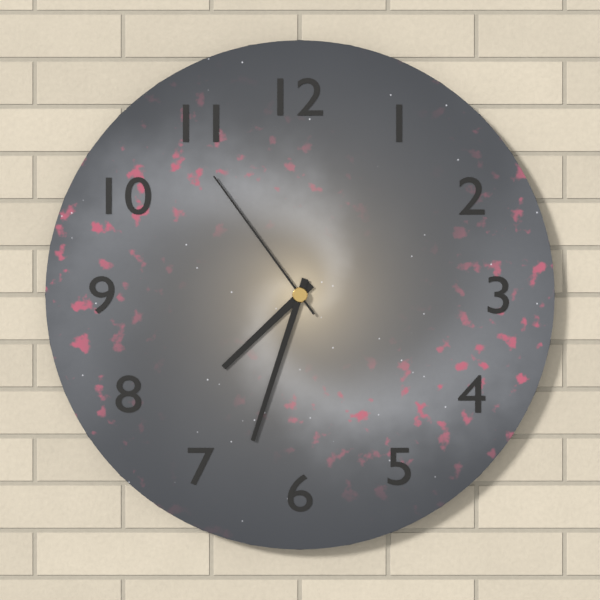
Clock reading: 7h33m54s
